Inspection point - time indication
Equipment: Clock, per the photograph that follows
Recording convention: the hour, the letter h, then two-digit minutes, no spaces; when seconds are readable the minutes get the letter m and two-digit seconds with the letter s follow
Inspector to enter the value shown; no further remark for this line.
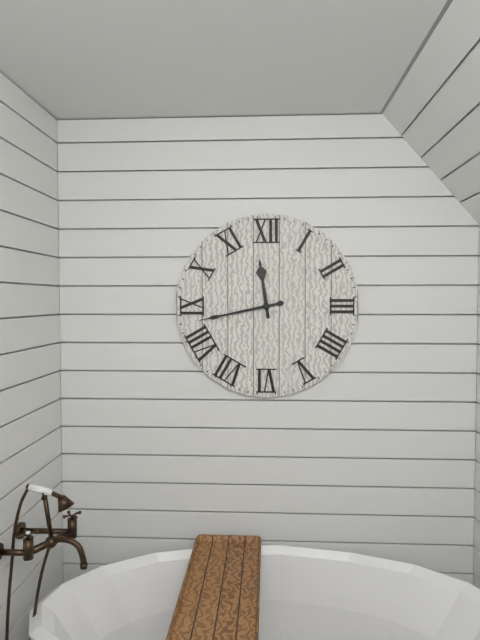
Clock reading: 11h43
